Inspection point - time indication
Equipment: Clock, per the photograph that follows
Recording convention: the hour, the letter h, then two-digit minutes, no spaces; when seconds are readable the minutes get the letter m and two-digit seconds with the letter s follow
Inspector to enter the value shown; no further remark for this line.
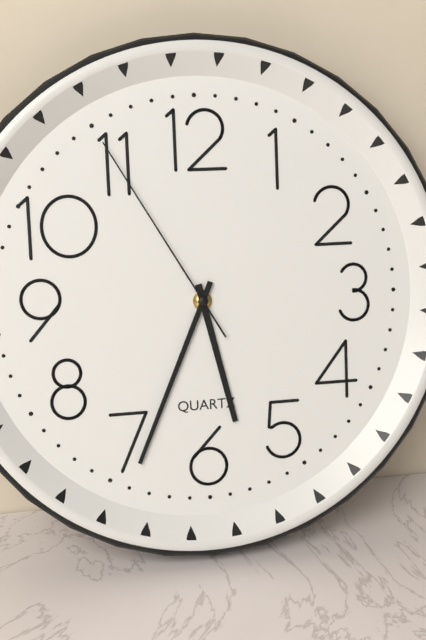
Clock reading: 5h34m55s
